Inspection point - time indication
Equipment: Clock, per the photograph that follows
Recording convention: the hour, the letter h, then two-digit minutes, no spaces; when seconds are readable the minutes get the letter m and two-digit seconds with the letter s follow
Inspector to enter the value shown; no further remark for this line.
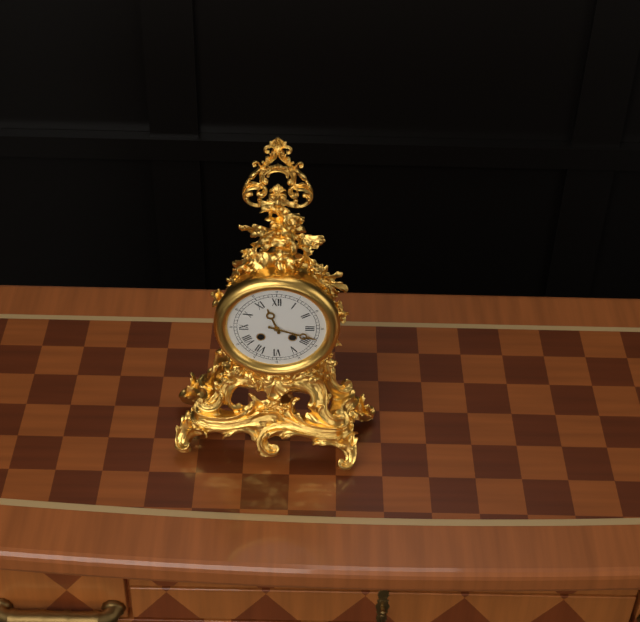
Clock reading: 11h18
